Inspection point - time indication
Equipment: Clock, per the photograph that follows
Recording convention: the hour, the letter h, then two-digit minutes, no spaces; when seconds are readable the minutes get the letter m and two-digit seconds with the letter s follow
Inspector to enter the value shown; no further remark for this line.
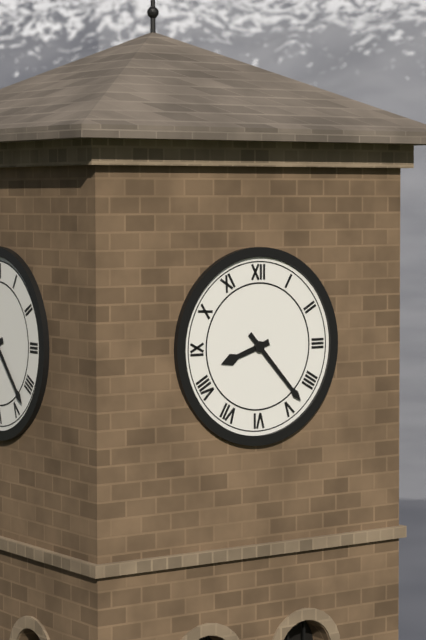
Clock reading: 8h23
